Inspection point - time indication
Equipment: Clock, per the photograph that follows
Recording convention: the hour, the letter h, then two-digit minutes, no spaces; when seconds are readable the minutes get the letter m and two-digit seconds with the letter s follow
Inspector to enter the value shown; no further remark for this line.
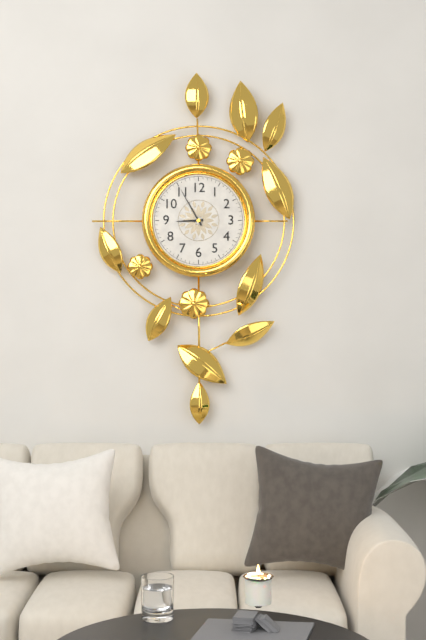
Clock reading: 8h55
